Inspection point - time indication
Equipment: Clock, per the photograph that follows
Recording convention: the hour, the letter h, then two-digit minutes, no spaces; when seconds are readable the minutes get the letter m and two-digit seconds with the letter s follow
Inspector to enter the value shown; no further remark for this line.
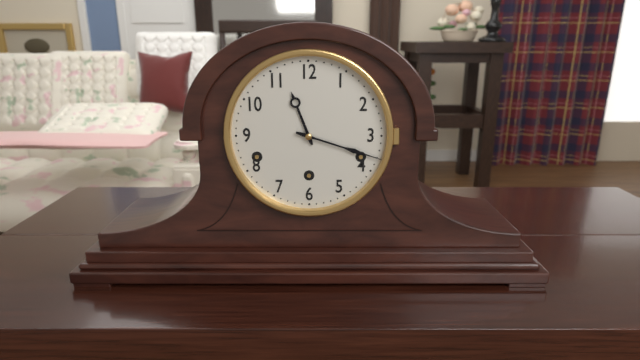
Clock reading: 11h18
